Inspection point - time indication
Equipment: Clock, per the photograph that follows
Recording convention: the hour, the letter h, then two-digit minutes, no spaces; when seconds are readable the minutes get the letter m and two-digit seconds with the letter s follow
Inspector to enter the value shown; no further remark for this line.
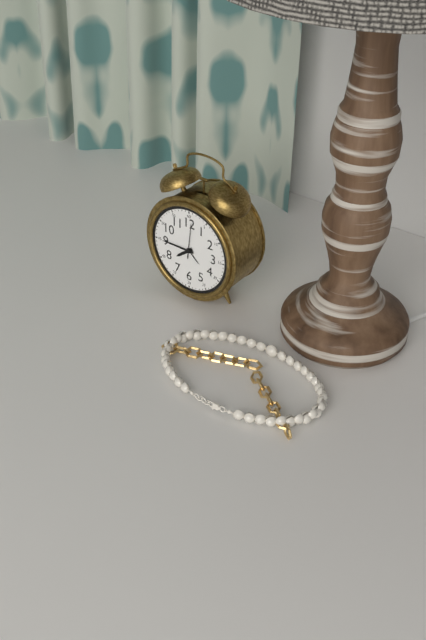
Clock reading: 7h45
